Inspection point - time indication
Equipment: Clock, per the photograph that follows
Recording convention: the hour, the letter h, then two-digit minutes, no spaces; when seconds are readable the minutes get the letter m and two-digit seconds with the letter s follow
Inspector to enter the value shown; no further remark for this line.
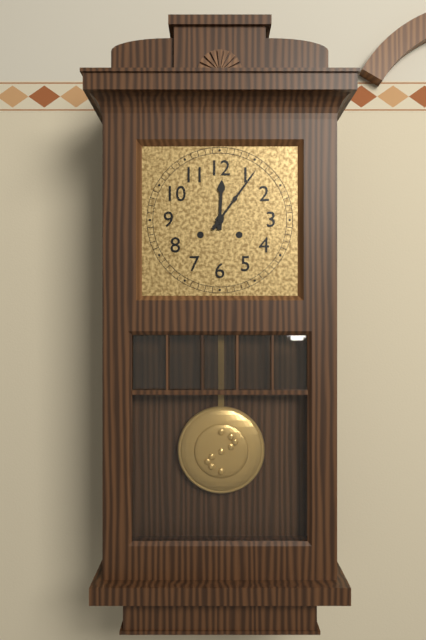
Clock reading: 12h06
